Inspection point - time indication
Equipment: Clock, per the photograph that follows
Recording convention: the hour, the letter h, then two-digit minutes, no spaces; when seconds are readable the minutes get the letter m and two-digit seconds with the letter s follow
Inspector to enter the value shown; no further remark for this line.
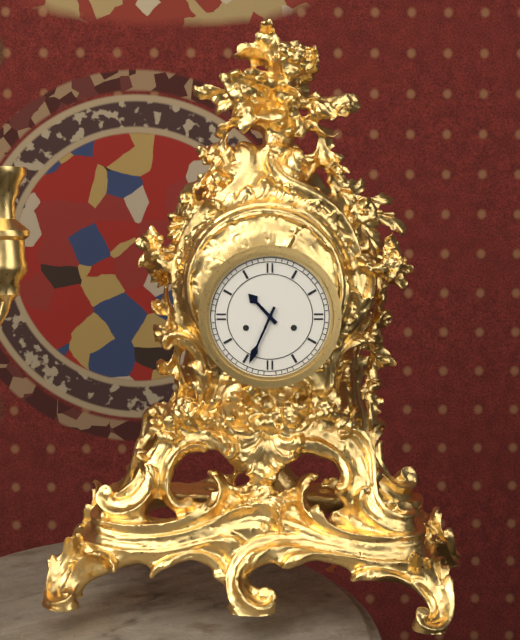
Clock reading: 10h34
